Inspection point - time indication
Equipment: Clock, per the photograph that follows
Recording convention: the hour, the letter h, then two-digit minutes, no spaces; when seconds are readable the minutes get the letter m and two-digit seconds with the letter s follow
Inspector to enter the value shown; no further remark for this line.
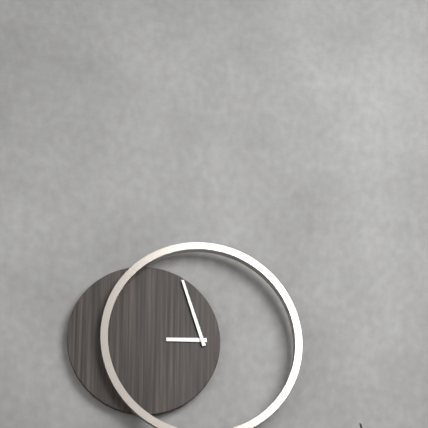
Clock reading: 8h57
